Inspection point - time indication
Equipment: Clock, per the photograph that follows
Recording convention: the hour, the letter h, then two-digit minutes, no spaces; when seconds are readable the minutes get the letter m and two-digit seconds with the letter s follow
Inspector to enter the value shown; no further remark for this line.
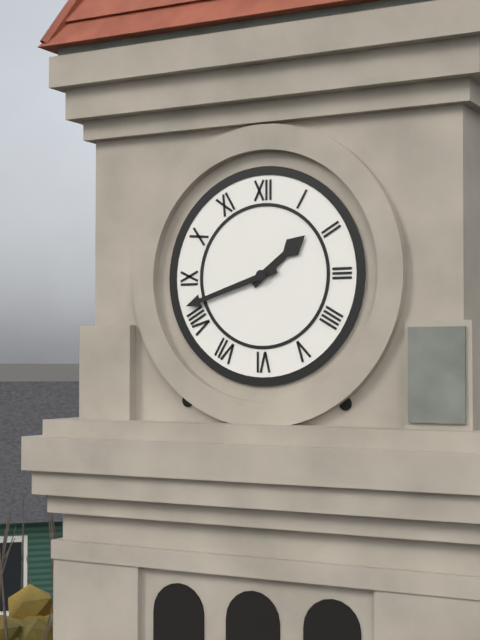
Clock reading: 1h42
